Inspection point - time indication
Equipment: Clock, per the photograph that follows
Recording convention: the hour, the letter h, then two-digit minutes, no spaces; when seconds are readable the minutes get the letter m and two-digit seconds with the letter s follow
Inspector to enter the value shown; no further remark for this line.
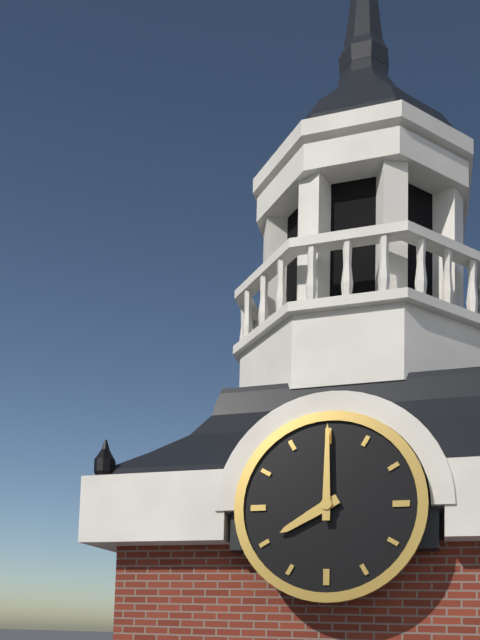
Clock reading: 8h00
